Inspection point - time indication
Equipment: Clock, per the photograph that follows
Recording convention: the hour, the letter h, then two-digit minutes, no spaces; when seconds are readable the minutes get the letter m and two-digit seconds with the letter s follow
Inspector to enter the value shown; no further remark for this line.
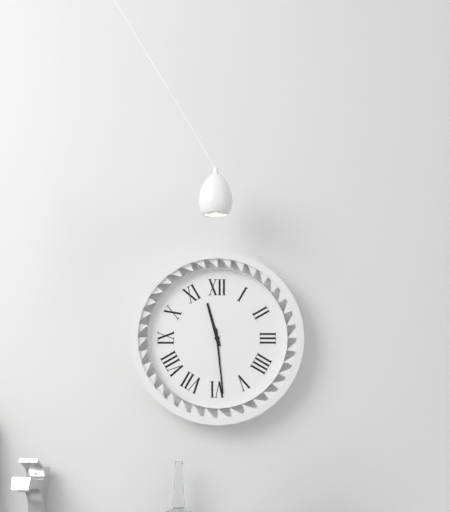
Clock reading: 11h29
